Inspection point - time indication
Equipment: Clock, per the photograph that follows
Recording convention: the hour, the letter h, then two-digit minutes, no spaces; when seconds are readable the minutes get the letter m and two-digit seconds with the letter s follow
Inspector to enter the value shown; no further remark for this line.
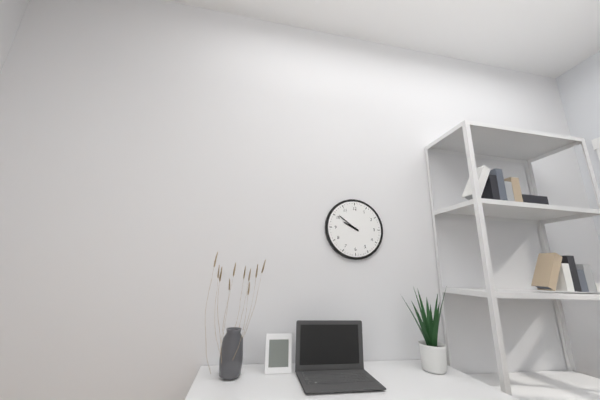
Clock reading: 9h51
